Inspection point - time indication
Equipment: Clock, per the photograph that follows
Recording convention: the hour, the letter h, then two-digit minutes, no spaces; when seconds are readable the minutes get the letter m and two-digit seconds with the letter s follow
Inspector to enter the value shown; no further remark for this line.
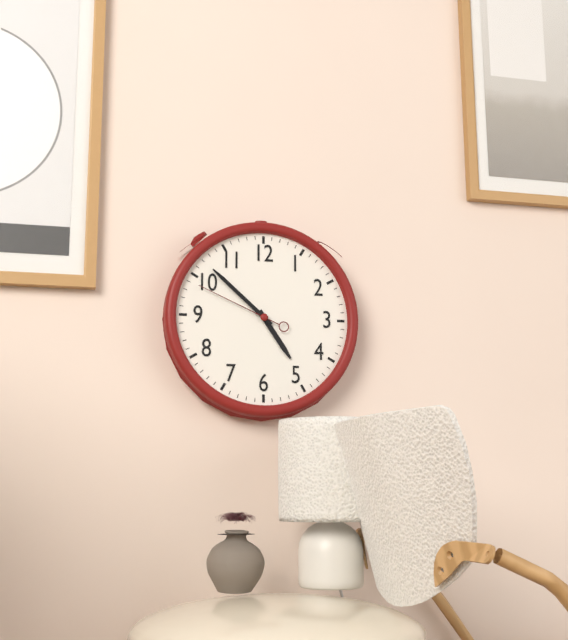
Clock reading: 4h52m49s
